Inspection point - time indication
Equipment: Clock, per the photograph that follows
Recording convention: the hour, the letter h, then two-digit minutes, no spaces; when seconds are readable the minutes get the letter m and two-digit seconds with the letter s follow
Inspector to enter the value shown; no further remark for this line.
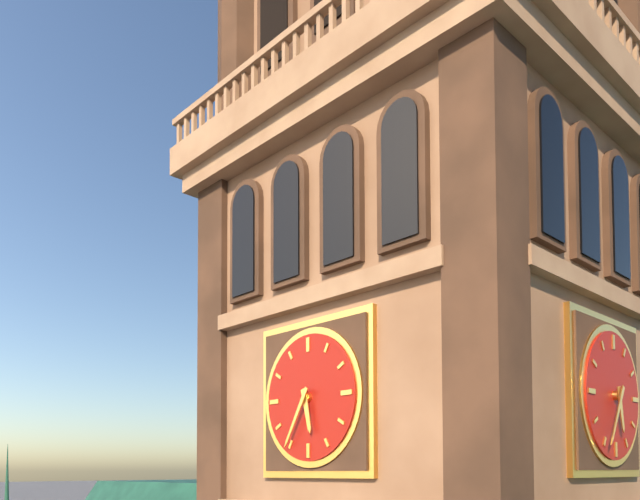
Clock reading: 5h35
